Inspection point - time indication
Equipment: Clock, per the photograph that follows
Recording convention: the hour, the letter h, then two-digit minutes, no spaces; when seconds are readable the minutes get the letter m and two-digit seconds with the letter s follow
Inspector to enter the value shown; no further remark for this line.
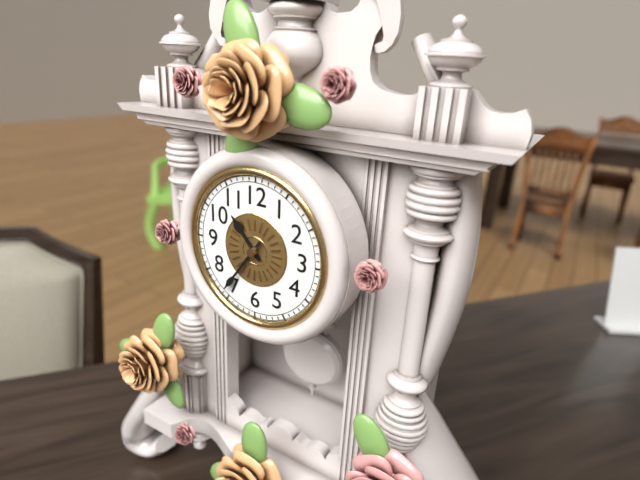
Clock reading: 10h36
